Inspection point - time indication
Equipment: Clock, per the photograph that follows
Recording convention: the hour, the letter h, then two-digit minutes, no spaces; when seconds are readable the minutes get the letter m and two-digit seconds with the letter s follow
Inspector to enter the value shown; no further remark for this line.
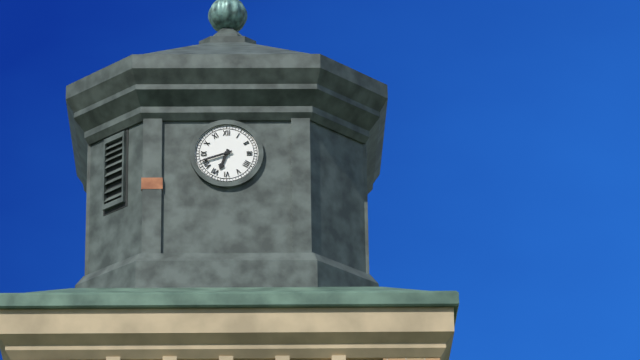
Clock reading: 6h42
